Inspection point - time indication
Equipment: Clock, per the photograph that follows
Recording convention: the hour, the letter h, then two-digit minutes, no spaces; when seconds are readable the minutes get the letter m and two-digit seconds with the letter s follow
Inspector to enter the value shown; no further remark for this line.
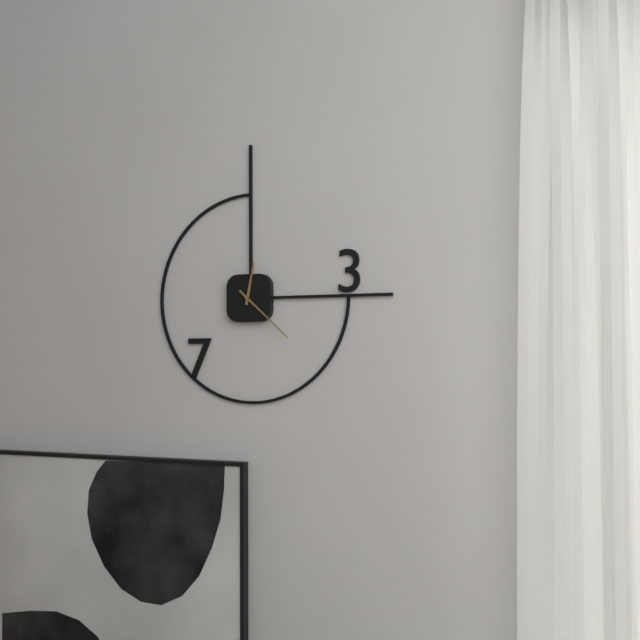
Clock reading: 12h22
